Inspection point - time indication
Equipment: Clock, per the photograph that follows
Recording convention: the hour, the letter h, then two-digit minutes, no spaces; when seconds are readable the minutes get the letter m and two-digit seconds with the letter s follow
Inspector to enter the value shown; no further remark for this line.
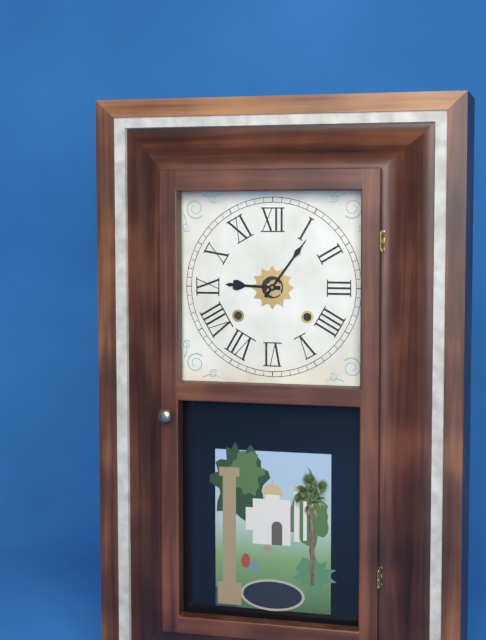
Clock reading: 9h06
